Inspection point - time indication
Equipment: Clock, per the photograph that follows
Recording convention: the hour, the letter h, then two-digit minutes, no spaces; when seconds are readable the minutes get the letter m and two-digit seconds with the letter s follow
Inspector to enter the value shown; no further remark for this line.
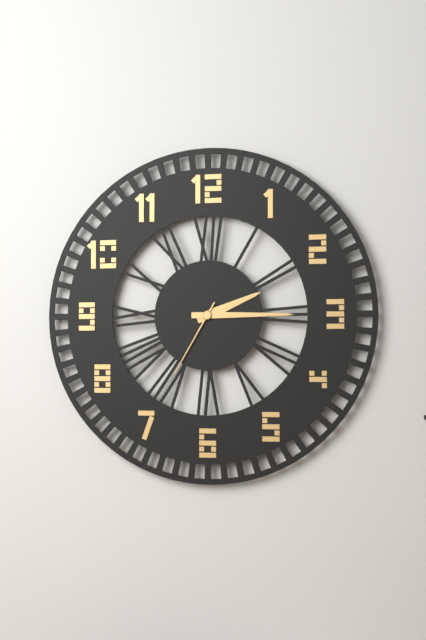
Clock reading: 2h15m35s
